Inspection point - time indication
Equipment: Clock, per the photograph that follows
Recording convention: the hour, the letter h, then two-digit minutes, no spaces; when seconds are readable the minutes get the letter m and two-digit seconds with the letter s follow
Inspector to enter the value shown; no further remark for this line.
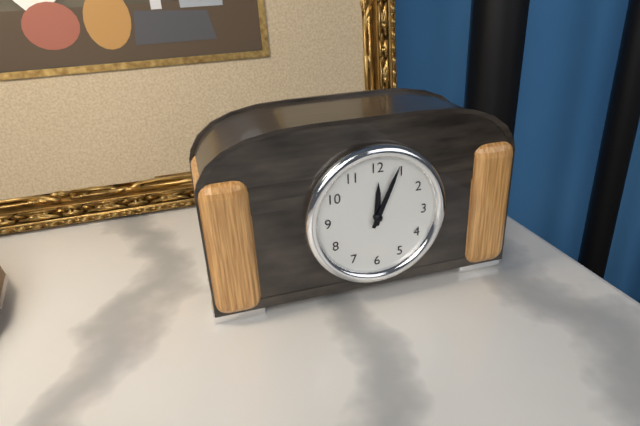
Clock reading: 12h04
